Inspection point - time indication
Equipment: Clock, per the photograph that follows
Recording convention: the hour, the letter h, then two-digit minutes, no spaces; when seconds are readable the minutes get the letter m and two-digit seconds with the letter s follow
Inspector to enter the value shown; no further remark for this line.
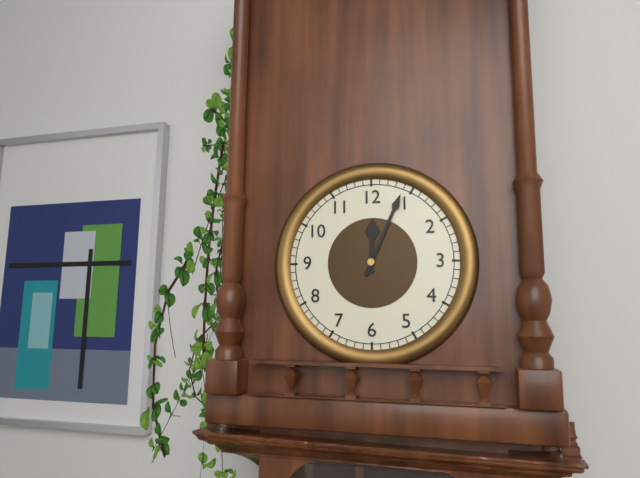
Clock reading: 12h04
